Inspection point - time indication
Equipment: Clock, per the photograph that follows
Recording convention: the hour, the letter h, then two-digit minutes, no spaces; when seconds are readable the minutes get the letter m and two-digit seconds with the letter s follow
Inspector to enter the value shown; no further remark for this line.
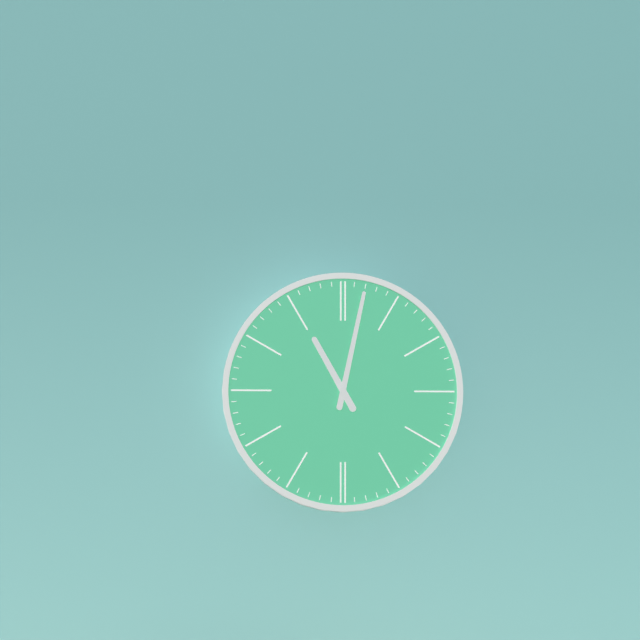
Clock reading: 11h02
